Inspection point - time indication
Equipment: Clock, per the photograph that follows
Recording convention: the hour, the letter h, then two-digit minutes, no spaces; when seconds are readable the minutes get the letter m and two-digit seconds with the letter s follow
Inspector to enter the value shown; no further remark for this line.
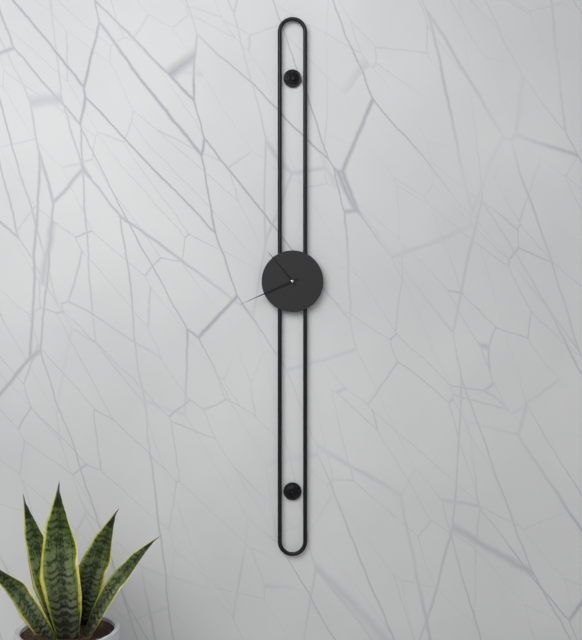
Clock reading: 10h41
